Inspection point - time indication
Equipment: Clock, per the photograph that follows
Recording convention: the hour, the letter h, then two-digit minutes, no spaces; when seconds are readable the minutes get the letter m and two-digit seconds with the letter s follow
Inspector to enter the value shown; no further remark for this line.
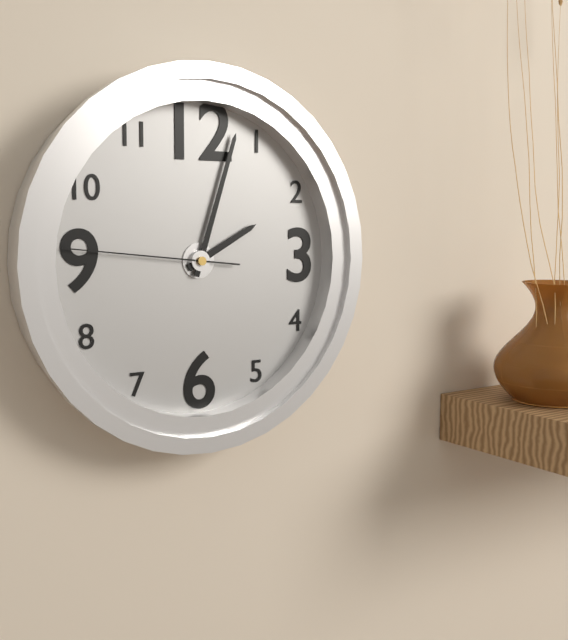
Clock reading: 2h03m46s
